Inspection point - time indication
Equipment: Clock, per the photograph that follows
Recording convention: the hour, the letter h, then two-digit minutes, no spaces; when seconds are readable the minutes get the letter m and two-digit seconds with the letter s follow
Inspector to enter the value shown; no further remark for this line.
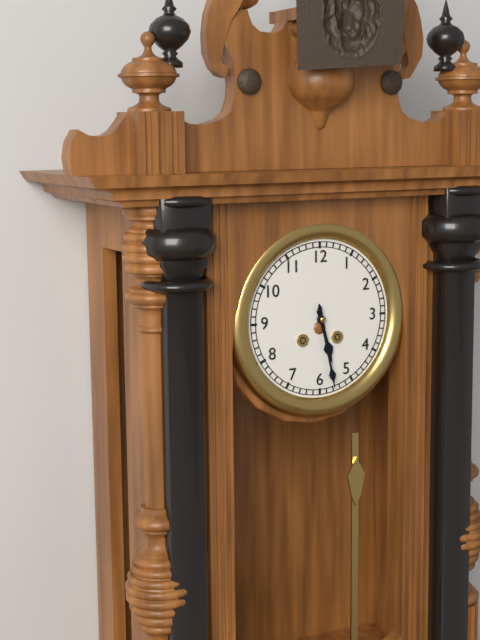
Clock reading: 5h28
